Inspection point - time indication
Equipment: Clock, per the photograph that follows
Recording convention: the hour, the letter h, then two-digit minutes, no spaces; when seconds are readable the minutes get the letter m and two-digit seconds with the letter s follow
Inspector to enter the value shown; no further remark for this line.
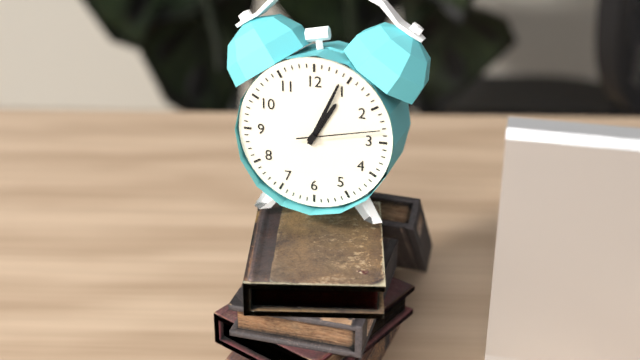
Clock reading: 1h04m13s
